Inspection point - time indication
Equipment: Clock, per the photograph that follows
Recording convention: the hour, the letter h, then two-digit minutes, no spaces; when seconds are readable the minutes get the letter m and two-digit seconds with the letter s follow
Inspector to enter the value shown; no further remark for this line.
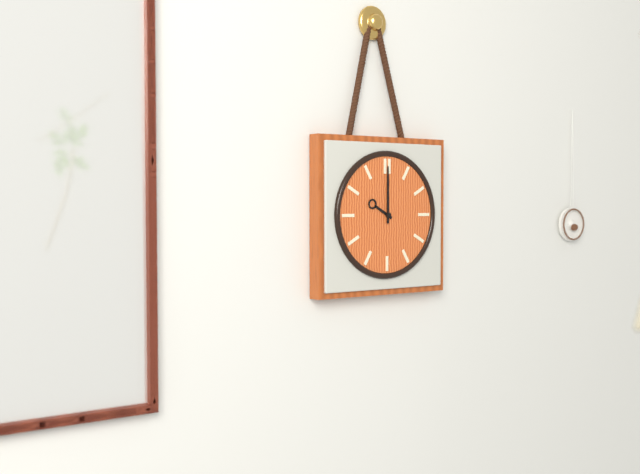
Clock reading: 10h00
